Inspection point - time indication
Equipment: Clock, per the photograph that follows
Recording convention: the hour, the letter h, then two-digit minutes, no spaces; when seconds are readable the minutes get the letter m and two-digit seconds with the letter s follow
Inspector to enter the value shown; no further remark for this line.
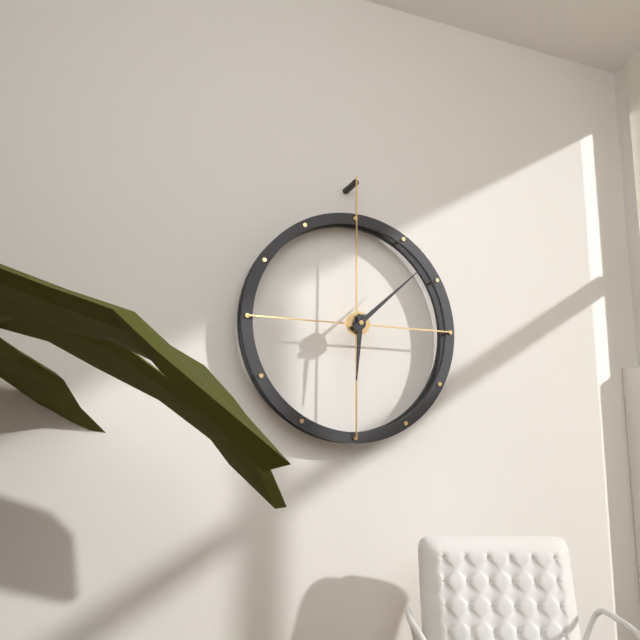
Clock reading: 6h08
